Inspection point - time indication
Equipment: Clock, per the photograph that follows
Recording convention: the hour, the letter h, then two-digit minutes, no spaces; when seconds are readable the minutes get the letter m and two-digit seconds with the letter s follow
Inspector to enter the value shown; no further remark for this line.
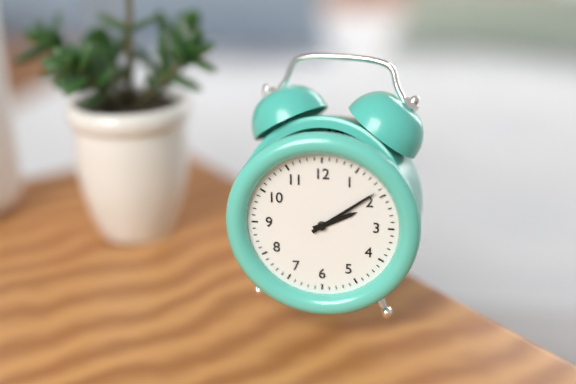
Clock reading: 2h09
